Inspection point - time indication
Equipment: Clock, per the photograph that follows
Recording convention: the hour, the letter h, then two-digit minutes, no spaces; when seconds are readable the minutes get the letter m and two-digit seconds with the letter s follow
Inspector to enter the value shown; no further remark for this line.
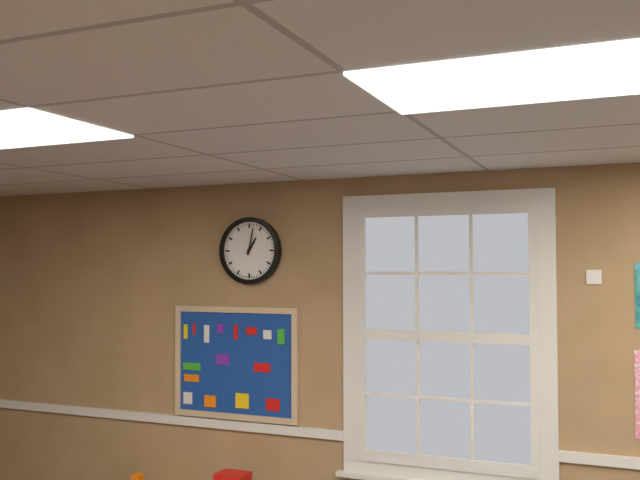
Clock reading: 1h02
